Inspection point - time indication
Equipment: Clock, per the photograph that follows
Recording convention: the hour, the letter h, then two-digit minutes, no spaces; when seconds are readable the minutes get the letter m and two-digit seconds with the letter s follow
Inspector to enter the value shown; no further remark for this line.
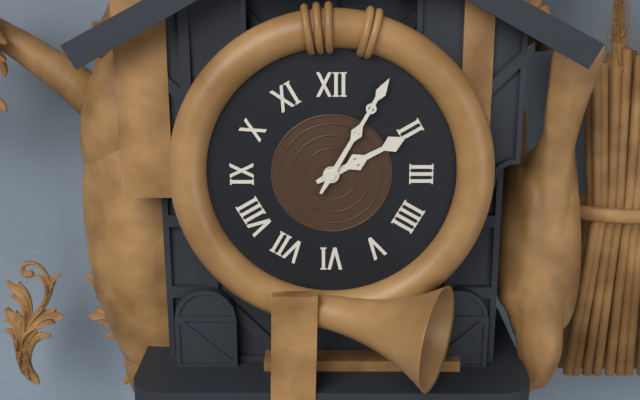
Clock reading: 2h05
